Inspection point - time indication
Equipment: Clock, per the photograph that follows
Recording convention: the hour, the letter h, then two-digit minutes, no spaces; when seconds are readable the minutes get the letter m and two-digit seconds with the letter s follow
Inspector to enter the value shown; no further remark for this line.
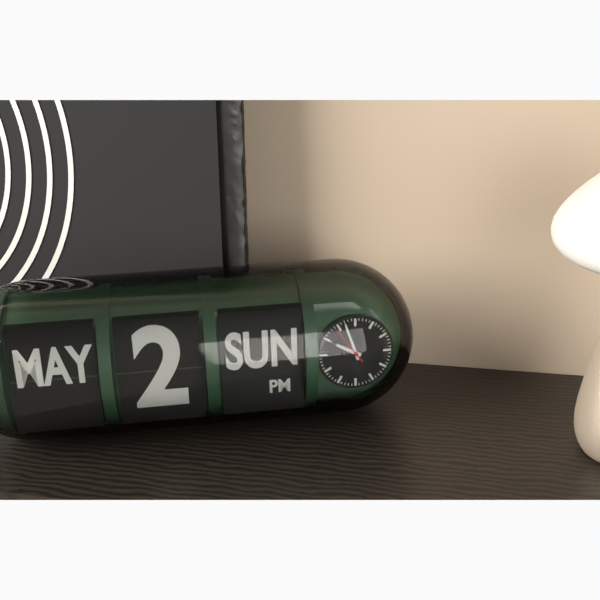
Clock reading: 9h57
